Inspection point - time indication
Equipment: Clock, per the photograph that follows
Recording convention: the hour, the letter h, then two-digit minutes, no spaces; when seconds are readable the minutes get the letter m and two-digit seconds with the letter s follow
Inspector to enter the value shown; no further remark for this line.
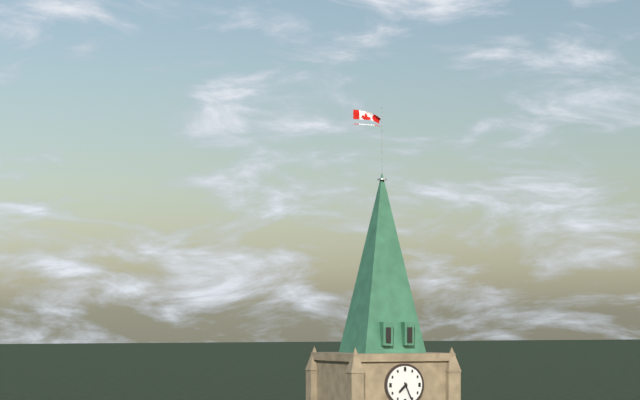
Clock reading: 7h26
